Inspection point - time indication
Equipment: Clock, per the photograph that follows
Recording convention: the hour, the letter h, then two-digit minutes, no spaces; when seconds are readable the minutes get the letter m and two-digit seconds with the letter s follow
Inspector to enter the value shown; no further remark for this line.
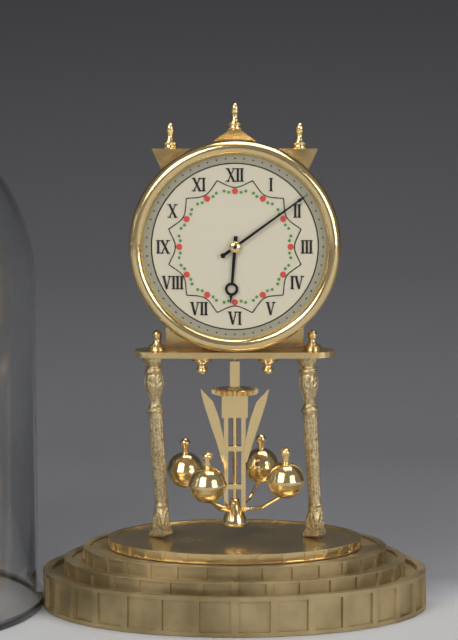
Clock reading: 6h09
